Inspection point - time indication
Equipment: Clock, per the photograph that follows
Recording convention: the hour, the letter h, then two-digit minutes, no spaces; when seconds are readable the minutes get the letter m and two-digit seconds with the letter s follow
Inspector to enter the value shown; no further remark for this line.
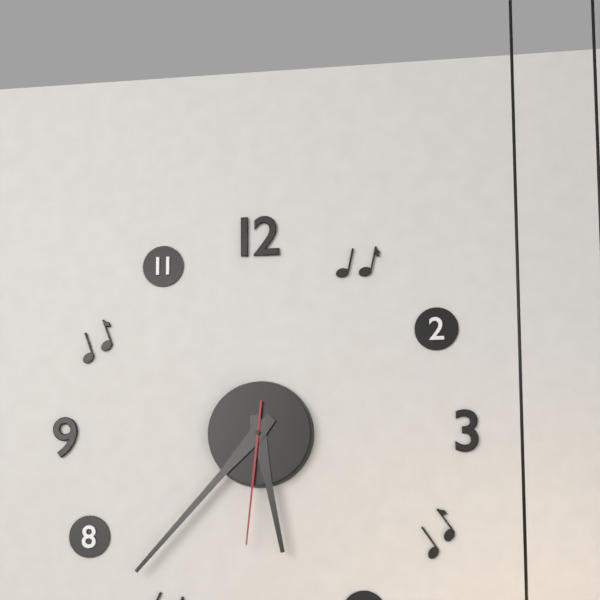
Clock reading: 5h37m31s
